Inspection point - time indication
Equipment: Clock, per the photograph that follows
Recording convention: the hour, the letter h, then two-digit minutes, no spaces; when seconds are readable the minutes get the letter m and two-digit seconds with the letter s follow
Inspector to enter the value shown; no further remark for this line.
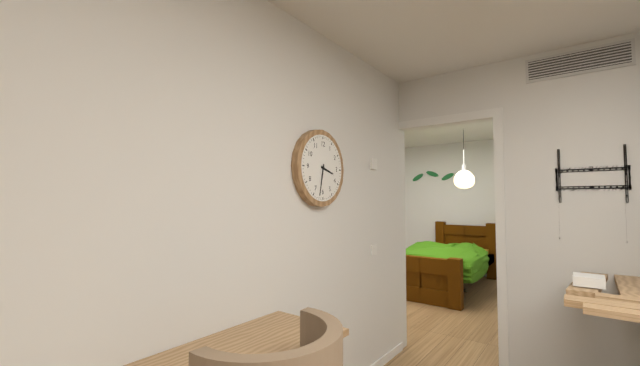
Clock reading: 3h32
